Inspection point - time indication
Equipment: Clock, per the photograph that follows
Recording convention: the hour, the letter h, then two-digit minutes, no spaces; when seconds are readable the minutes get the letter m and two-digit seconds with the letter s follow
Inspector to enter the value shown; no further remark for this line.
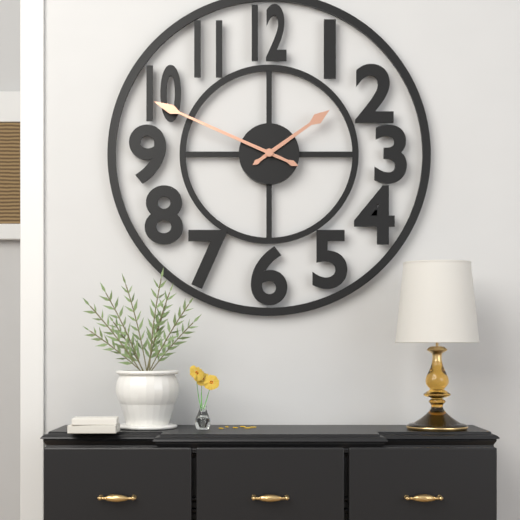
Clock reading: 1h49
